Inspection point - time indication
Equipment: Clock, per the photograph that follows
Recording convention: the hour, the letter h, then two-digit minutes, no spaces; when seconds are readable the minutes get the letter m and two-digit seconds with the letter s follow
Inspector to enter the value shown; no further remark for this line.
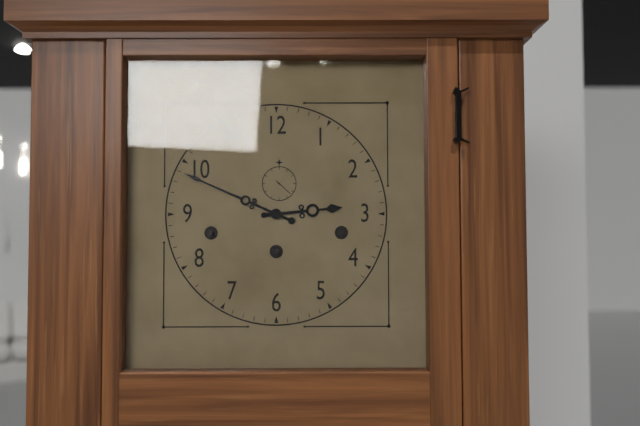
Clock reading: 2h49
